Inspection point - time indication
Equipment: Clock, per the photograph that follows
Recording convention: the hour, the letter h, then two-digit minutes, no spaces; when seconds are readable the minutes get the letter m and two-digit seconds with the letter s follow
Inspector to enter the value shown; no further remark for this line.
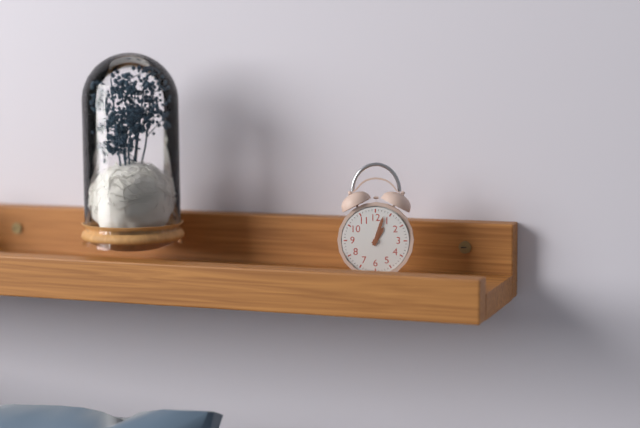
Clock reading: 1h03
